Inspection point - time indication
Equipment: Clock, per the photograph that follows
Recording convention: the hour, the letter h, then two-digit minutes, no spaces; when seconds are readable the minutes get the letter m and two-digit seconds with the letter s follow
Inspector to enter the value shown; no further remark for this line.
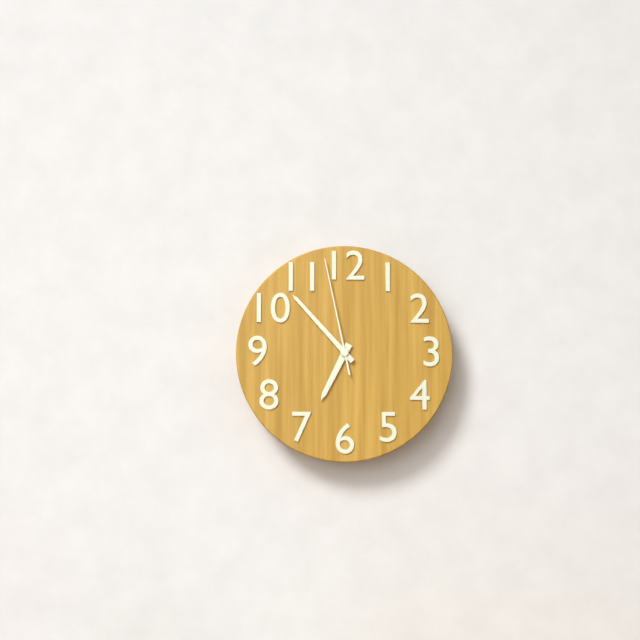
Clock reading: 6h53m58s
